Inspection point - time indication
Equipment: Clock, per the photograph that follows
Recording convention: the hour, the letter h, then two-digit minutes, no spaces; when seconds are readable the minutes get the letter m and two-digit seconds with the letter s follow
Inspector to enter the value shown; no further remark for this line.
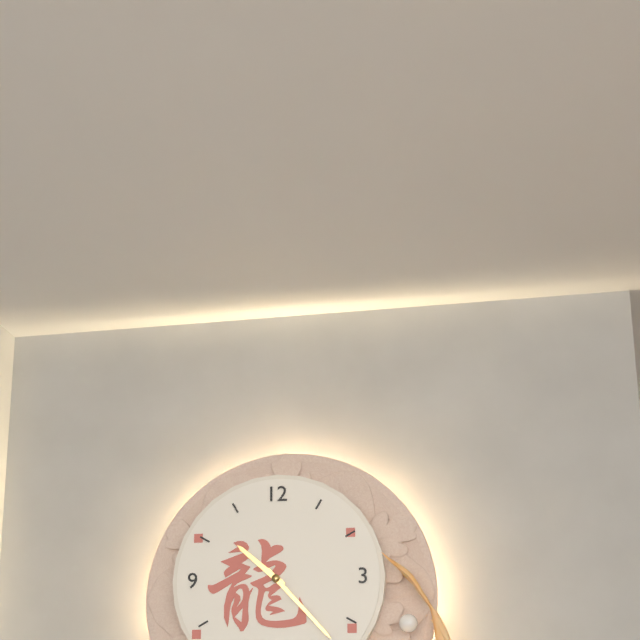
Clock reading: 10h23
